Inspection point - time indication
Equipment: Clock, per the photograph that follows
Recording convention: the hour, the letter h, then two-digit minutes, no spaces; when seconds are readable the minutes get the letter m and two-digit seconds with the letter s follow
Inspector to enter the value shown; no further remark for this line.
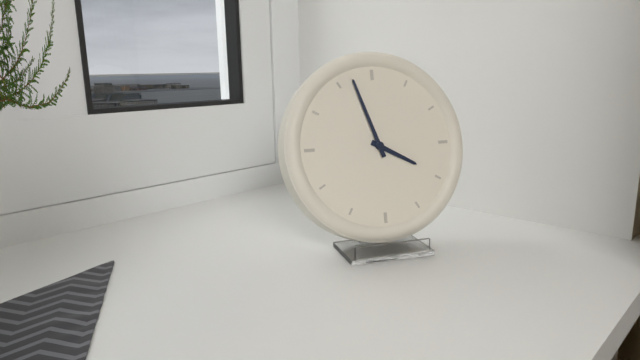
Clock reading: 3h57
